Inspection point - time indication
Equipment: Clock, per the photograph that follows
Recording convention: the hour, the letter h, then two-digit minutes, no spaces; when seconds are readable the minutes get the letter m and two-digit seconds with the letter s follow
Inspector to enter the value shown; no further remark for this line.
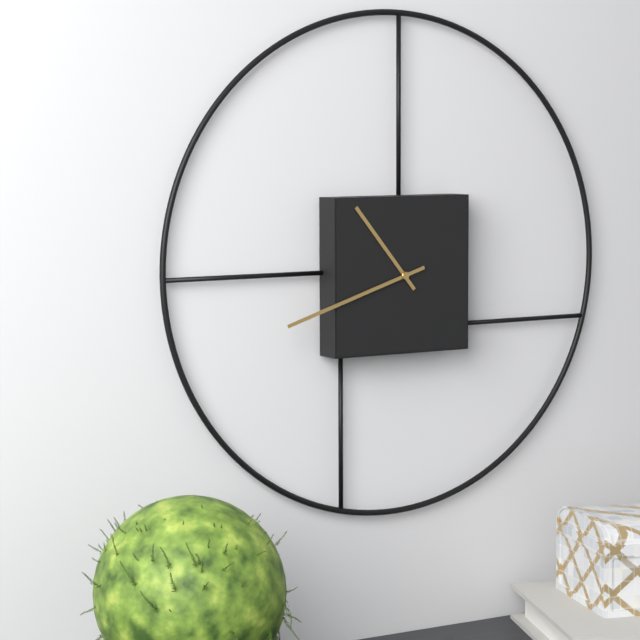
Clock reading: 10h42
